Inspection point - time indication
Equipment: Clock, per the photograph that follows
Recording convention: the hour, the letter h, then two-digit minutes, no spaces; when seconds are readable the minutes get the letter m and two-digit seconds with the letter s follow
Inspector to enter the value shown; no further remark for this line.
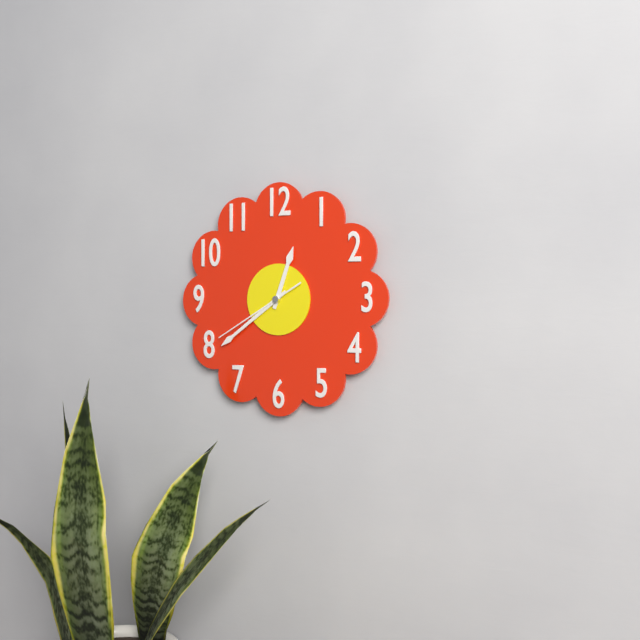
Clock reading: 12h39m40s
